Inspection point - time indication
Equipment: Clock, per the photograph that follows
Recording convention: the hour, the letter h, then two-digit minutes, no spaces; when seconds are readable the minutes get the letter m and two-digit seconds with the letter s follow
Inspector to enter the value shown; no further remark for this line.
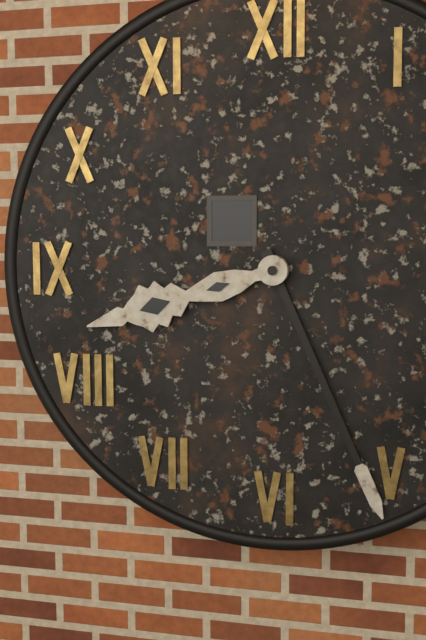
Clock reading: 8h26
